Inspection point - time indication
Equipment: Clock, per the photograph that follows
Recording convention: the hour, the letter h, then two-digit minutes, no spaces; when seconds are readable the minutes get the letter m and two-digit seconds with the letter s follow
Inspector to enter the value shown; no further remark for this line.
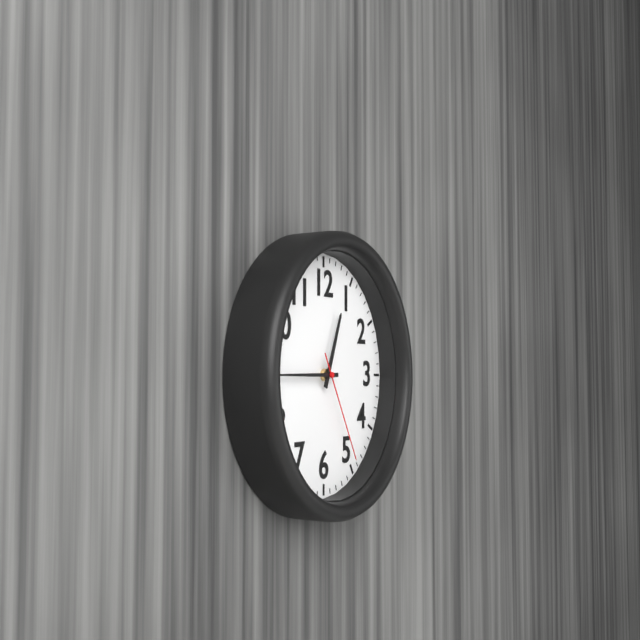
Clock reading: 12h45m25s
